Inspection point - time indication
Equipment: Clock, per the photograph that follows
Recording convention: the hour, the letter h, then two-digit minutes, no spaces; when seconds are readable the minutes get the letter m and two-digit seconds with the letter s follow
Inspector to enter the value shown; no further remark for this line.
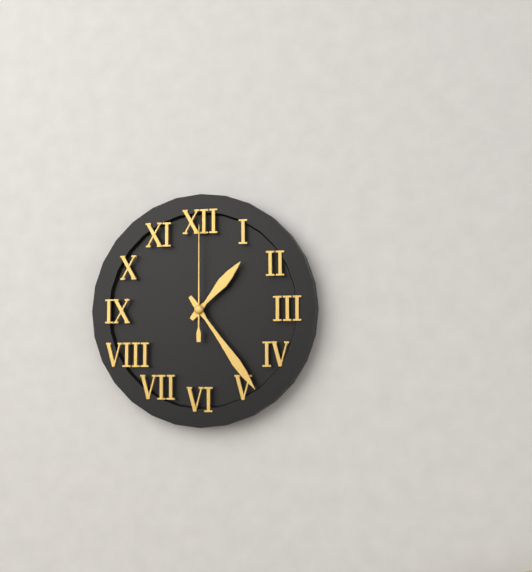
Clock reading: 1h24m00s
